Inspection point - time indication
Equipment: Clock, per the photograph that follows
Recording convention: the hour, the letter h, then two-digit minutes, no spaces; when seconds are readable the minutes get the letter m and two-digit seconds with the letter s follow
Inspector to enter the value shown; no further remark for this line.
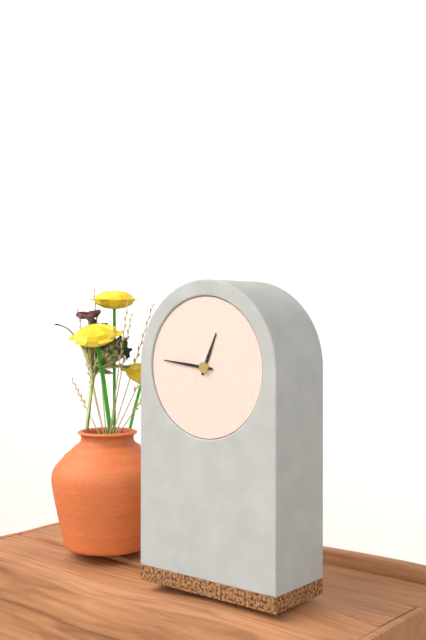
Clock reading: 12h46
